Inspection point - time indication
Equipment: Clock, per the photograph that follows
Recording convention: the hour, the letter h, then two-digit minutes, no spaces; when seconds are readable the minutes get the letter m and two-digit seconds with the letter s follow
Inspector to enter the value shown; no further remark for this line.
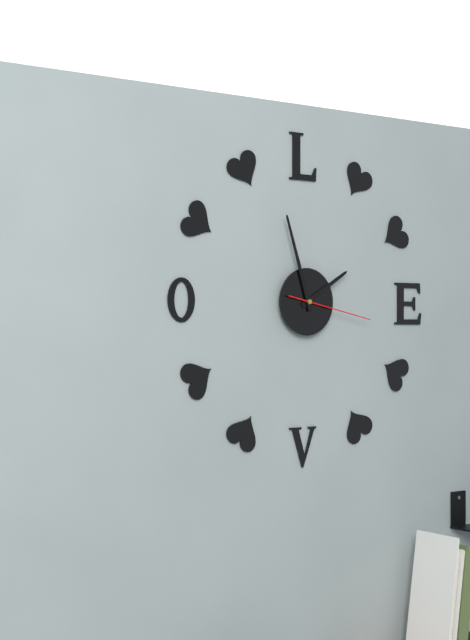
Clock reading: 1h57m17s
